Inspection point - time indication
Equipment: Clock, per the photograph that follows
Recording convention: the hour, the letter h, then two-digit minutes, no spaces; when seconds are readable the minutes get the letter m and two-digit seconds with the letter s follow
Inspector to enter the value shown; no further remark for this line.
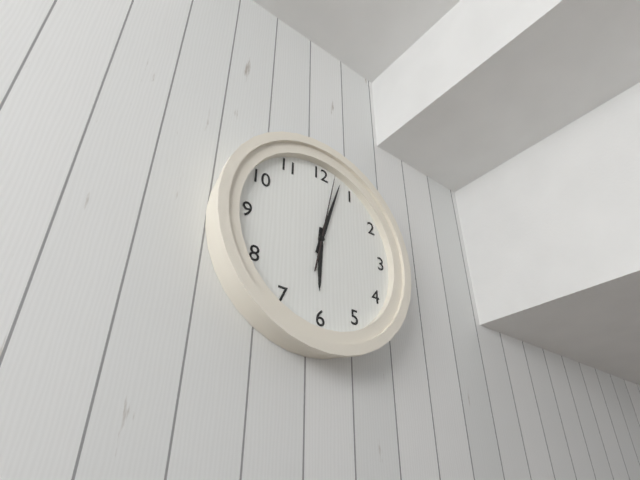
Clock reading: 6h03m02s
